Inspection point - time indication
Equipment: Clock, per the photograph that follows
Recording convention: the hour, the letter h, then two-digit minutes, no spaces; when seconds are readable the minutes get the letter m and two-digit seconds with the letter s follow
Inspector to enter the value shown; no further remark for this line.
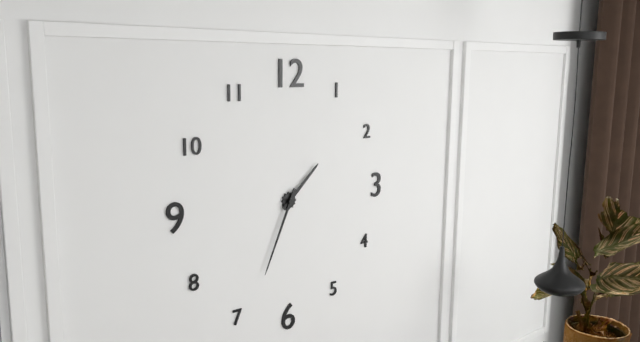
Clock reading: 1h34
